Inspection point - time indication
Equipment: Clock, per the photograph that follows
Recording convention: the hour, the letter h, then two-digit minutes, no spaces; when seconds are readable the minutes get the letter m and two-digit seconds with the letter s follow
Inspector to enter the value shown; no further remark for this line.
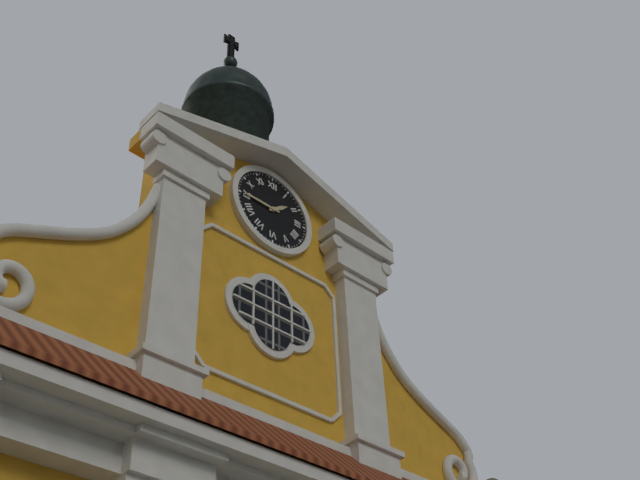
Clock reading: 1h45
